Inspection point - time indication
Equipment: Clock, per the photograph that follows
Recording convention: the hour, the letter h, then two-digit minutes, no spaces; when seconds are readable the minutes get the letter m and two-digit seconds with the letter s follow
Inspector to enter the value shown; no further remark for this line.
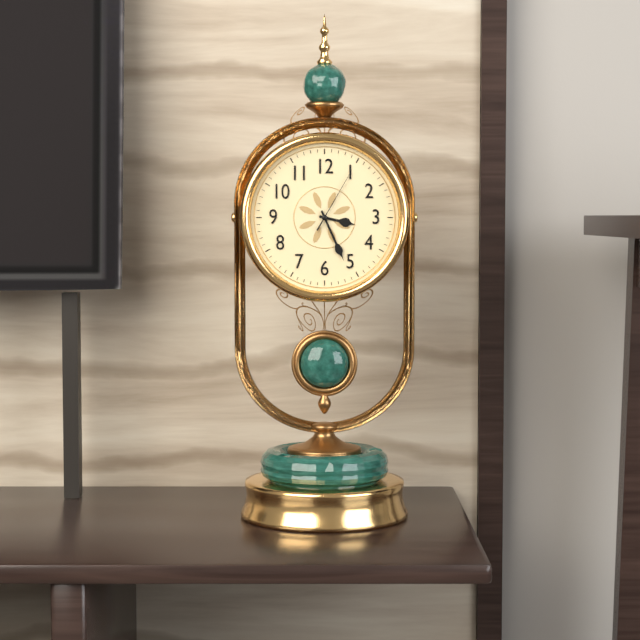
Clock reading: 3h26m05s
